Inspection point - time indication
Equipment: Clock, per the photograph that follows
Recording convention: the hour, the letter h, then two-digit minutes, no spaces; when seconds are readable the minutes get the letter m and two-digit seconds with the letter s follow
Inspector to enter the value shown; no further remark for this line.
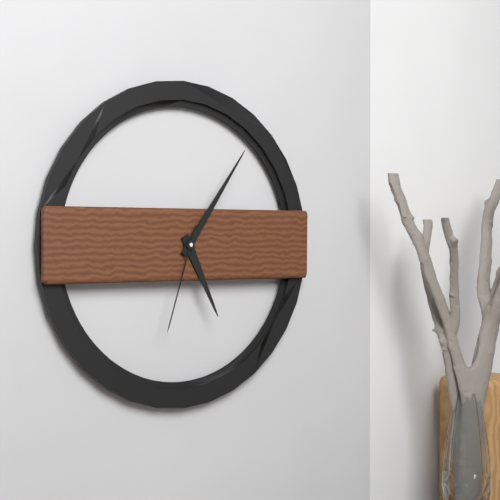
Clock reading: 5h06m33s
